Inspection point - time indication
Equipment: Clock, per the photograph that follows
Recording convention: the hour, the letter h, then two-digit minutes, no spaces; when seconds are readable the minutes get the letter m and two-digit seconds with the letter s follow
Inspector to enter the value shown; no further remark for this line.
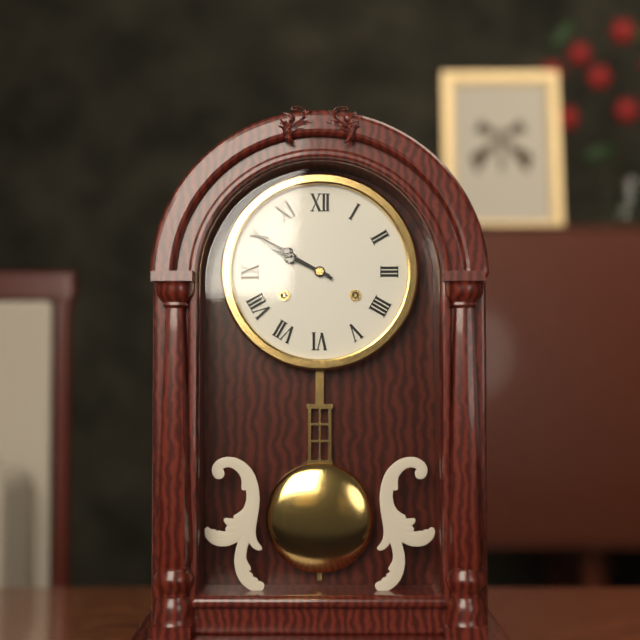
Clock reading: 9h50
